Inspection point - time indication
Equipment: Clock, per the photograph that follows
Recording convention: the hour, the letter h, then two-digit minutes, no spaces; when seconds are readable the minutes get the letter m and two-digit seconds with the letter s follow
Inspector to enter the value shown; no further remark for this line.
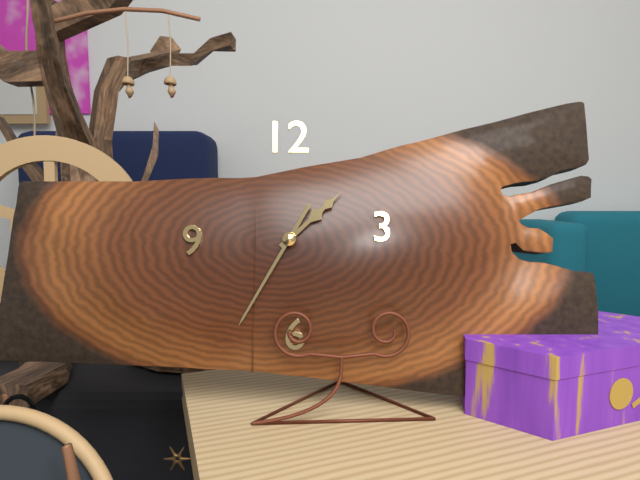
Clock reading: 1h35
